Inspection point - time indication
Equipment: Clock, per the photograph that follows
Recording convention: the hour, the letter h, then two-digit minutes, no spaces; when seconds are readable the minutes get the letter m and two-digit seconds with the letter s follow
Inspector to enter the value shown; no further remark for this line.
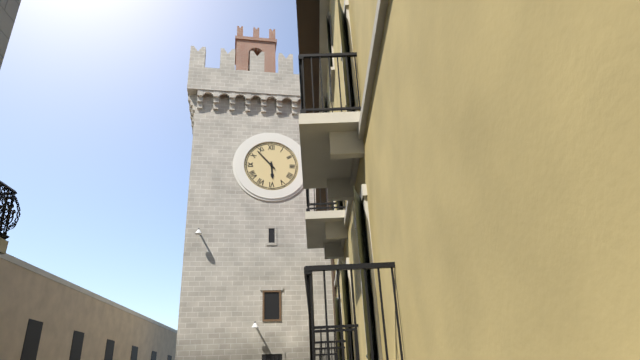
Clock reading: 5h53
